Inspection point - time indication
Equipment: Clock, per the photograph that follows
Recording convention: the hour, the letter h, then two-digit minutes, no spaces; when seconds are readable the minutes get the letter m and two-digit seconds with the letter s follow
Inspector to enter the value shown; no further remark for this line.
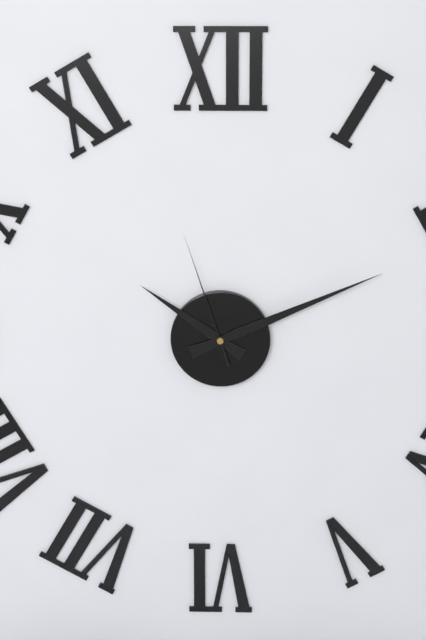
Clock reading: 10h11m57s
